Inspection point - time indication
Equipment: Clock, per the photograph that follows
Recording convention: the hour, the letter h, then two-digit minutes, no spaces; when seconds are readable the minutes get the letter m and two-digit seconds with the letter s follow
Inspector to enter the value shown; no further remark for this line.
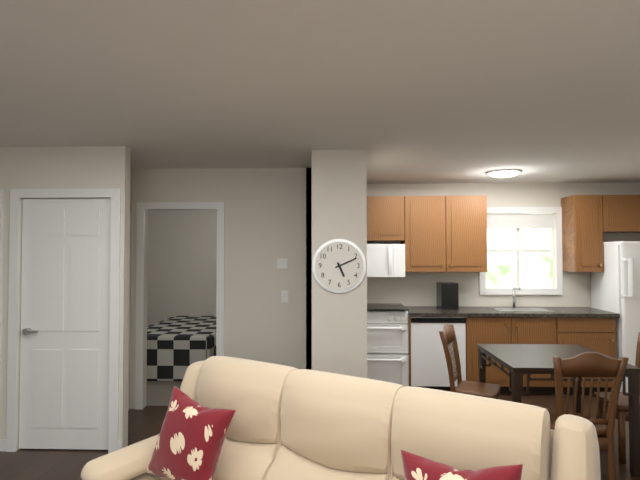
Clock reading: 5h11
